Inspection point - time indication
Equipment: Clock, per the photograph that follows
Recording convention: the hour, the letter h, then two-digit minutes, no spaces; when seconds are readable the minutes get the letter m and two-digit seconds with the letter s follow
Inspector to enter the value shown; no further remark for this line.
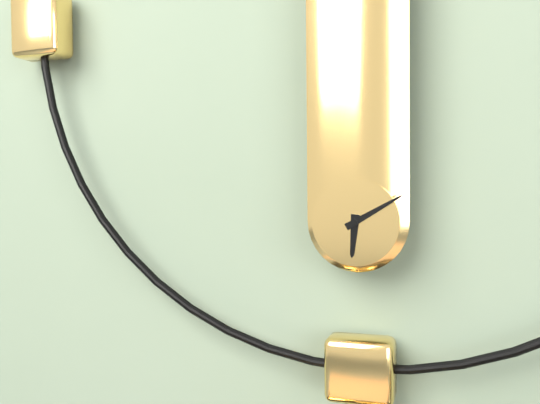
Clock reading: 6h10
